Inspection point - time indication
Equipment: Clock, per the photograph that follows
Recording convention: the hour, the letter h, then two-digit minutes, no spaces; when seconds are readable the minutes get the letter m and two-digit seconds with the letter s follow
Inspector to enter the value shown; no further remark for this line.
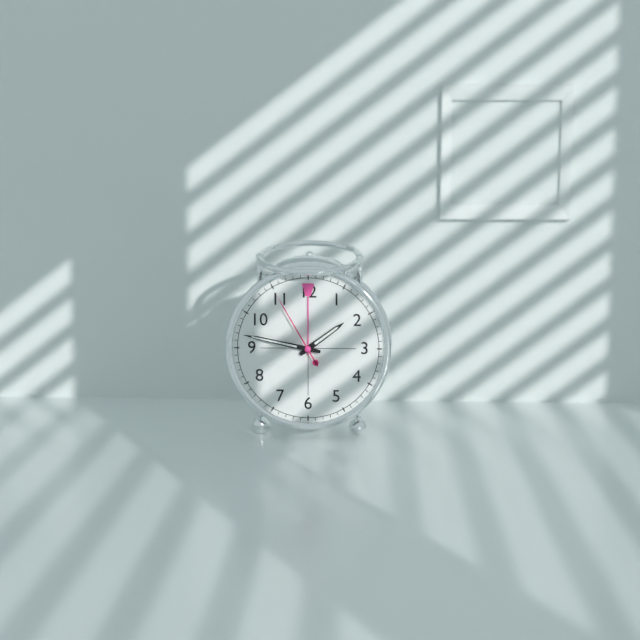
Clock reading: 1h47m55s
